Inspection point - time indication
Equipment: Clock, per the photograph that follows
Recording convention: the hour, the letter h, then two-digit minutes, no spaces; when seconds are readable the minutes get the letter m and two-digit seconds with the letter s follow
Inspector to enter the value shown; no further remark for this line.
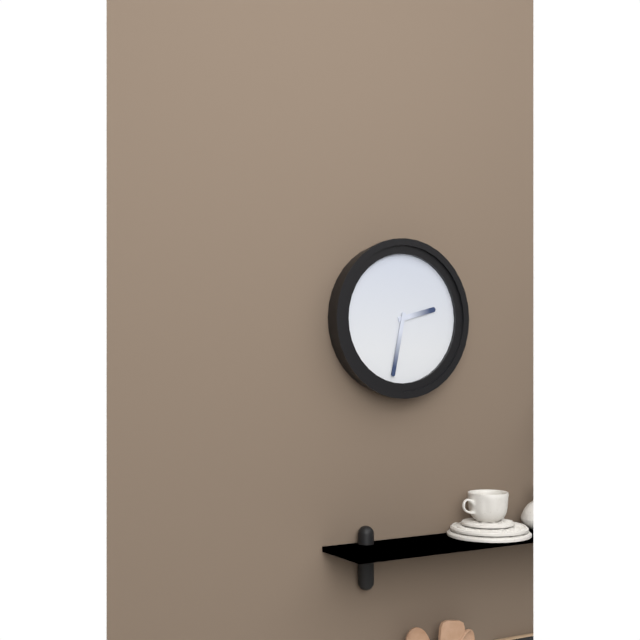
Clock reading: 2h32
